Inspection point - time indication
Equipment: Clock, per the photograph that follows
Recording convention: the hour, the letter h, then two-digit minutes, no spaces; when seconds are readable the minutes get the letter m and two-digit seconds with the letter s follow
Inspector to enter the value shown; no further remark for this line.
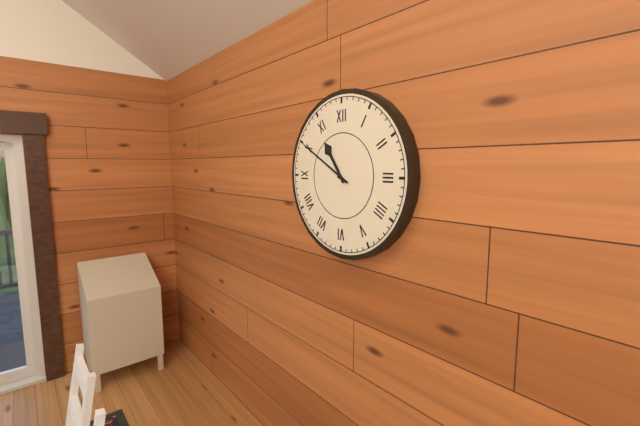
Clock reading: 10h50
